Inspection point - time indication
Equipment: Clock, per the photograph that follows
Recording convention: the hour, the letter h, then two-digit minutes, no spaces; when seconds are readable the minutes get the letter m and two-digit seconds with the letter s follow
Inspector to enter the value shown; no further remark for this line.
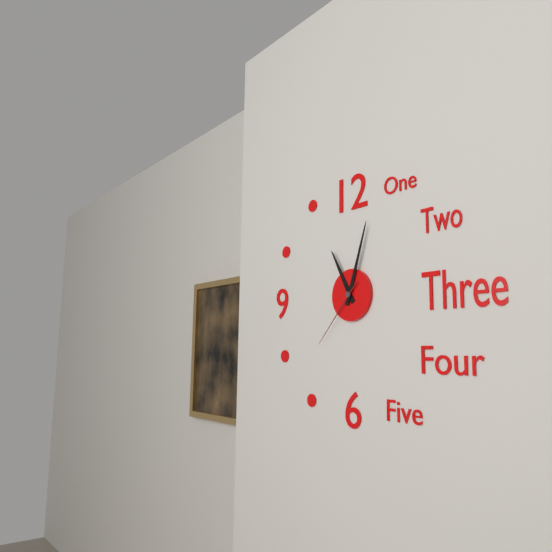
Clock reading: 11h03m37s
